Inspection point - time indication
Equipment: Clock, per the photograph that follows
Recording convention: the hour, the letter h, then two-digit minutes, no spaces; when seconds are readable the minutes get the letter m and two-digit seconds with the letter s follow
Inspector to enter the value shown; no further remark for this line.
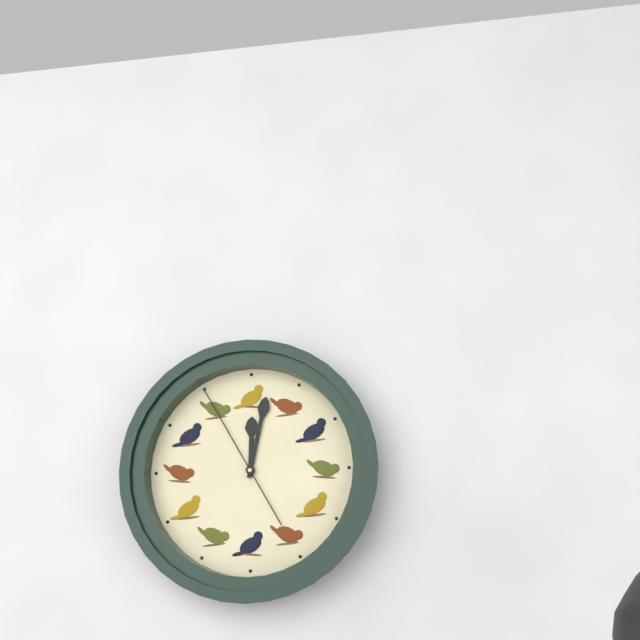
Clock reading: 12h02m55s
